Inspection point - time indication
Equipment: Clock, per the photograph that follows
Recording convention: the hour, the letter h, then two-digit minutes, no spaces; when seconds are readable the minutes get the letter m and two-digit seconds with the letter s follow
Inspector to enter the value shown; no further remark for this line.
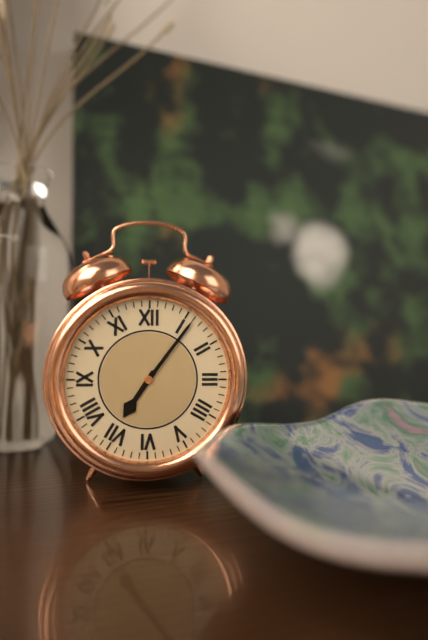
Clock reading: 7h06
